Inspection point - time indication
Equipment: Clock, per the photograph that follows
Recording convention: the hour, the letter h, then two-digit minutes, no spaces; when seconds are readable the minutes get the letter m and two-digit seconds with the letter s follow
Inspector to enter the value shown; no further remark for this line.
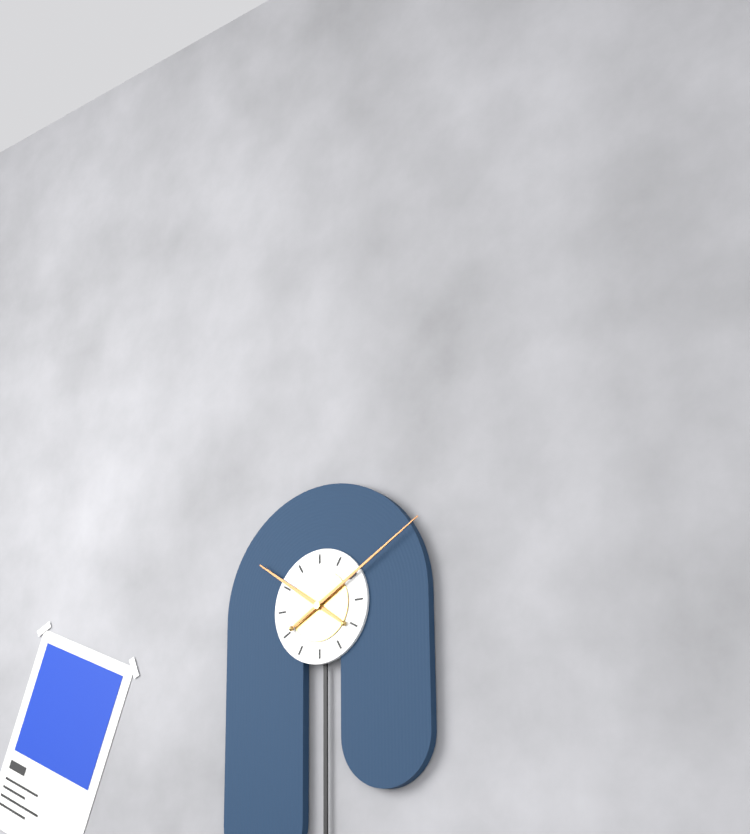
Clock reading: 10h10
